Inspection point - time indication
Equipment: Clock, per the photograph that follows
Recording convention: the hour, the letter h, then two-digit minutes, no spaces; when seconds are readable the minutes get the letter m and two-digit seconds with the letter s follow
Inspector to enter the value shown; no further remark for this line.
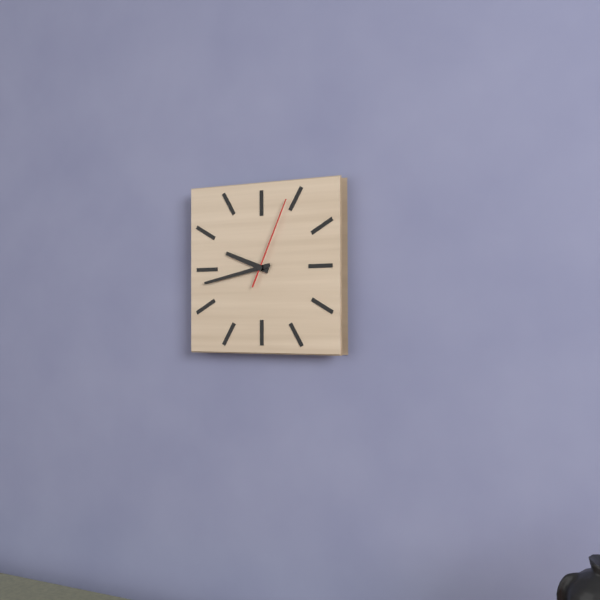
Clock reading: 9h43m04s
